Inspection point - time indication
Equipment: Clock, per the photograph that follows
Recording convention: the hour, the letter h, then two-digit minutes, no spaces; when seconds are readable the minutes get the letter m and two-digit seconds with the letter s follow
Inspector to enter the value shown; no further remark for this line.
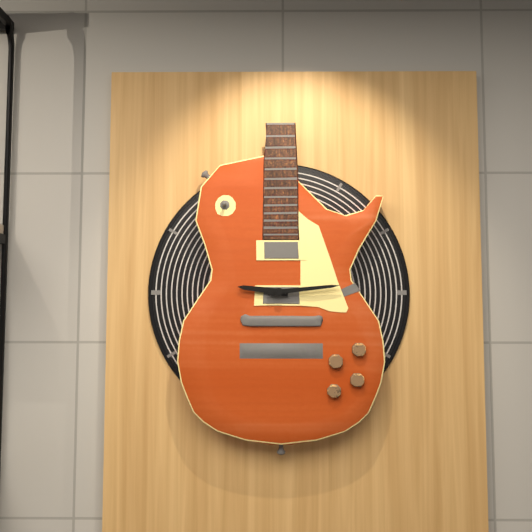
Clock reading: 9h14
